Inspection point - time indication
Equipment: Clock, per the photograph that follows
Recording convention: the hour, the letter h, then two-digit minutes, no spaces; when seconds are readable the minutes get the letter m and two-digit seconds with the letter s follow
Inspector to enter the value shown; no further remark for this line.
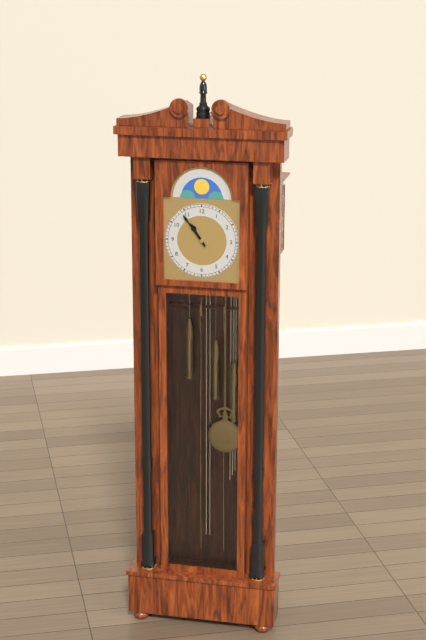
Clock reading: 10h54
